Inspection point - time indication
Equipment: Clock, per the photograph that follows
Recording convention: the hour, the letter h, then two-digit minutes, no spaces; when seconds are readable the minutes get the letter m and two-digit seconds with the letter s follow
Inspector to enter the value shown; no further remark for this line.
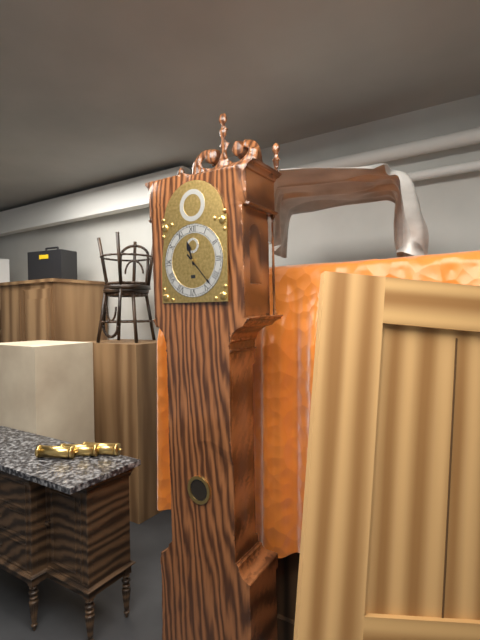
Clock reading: 11h23
